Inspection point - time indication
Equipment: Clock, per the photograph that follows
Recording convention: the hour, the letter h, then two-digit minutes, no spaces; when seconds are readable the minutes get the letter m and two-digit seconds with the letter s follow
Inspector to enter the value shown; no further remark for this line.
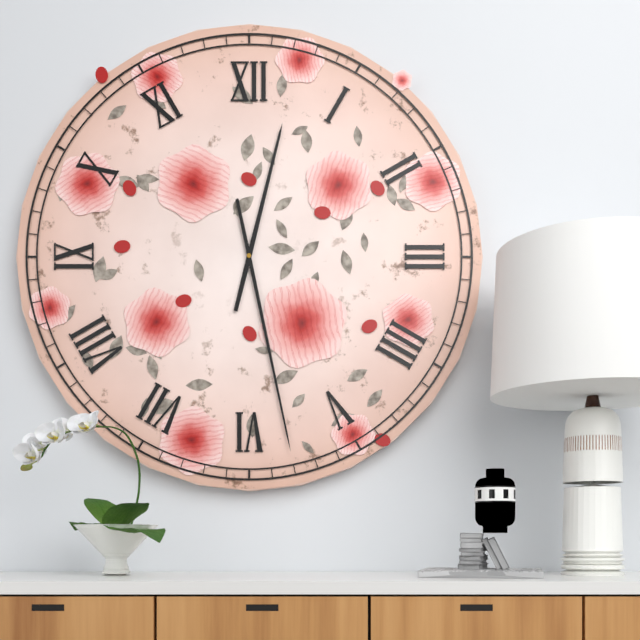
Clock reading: 12h28
